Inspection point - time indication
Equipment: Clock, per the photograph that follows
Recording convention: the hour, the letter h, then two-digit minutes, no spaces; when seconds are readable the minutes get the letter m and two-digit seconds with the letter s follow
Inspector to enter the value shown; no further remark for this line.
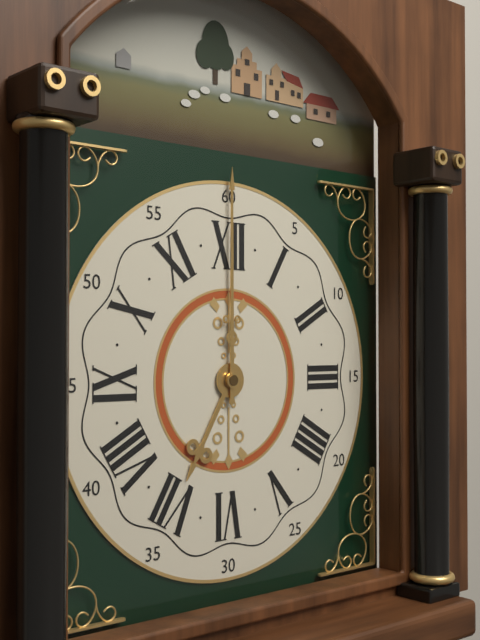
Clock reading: 7h00
